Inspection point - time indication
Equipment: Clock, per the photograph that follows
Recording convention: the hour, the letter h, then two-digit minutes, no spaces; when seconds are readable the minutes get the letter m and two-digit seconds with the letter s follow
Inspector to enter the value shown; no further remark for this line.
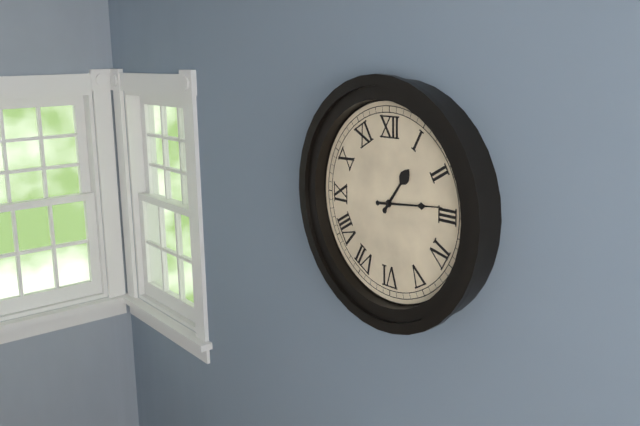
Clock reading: 1h14
